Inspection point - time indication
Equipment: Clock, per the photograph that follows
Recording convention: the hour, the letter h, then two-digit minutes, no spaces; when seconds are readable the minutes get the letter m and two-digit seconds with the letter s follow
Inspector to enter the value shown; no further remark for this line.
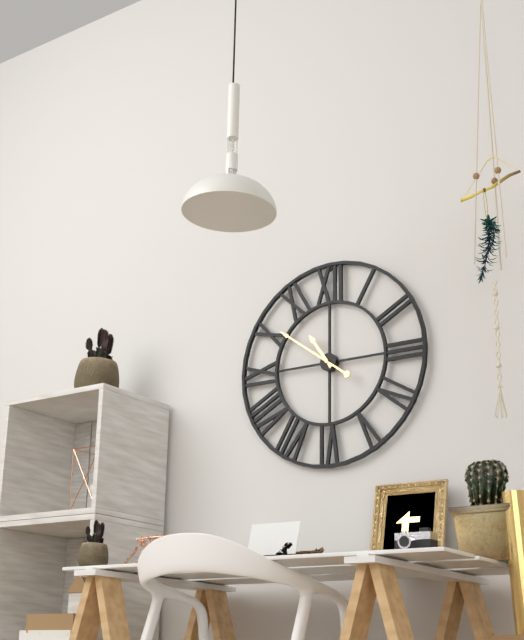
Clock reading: 10h51
